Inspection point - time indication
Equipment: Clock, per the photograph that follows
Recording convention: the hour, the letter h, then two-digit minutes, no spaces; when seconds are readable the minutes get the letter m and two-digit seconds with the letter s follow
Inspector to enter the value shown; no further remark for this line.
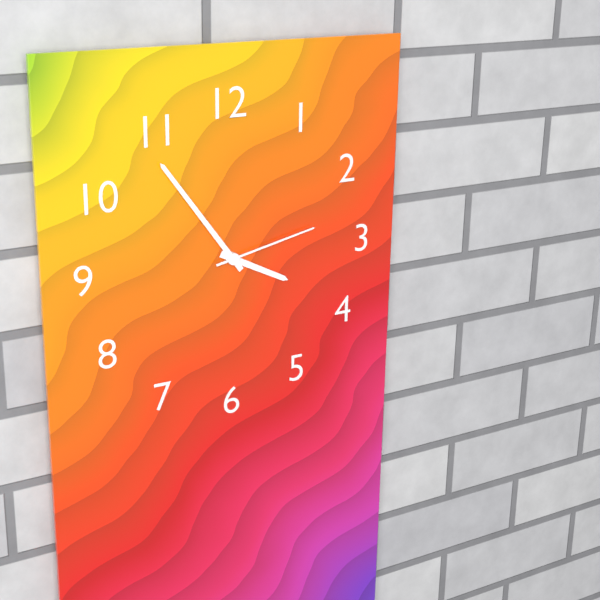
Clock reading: 3h54m13s
